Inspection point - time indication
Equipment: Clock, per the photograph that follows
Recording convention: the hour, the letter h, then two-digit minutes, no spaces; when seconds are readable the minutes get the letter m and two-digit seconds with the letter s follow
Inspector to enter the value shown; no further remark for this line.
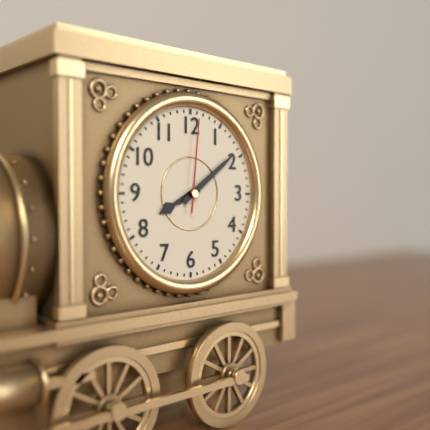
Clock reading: 8h09m01s
